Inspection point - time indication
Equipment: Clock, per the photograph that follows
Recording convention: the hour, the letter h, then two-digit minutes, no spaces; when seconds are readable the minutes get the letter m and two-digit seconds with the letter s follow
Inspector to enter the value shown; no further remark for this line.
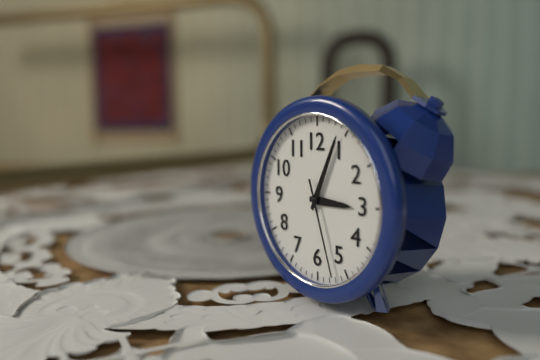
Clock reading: 3h04m27s
